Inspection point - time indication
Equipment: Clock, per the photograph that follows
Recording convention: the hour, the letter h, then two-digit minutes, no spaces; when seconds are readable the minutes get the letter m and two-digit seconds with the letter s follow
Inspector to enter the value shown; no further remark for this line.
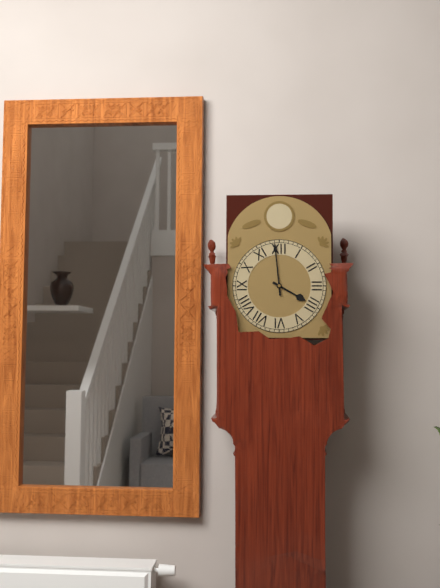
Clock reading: 3h59
